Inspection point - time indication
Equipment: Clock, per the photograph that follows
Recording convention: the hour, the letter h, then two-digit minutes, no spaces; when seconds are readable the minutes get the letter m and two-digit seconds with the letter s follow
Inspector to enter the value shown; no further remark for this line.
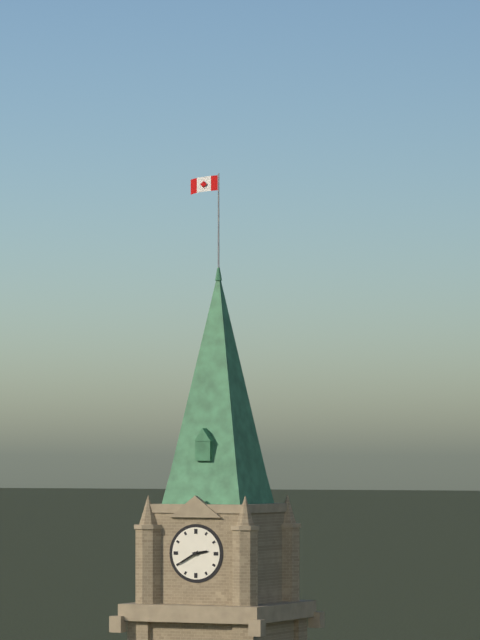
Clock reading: 2h40
